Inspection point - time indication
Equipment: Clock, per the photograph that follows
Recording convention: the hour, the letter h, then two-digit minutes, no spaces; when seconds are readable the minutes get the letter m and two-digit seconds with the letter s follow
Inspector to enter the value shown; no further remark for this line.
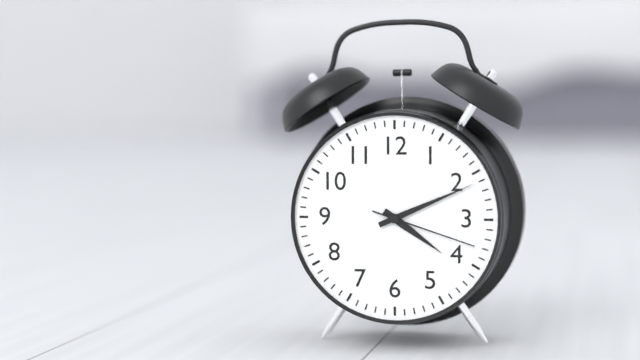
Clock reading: 4h11m18s
